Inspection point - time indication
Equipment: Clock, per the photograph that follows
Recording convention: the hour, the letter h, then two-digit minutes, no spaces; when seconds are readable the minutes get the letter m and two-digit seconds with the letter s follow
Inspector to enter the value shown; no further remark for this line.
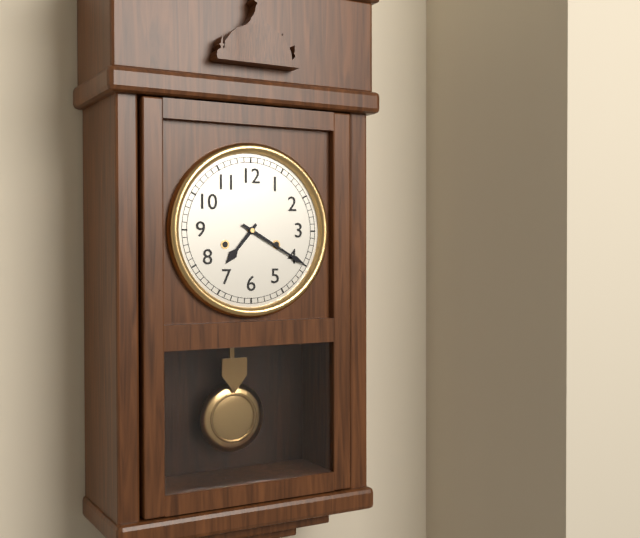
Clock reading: 7h20
